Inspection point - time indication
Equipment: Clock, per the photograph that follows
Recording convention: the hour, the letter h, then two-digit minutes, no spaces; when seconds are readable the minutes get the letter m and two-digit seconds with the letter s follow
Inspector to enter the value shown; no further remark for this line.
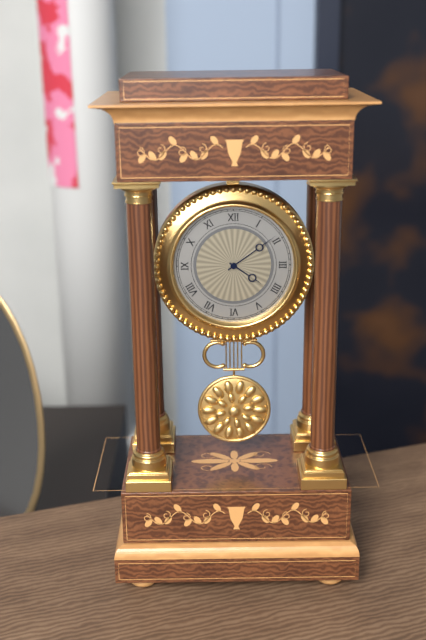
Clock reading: 4h09
